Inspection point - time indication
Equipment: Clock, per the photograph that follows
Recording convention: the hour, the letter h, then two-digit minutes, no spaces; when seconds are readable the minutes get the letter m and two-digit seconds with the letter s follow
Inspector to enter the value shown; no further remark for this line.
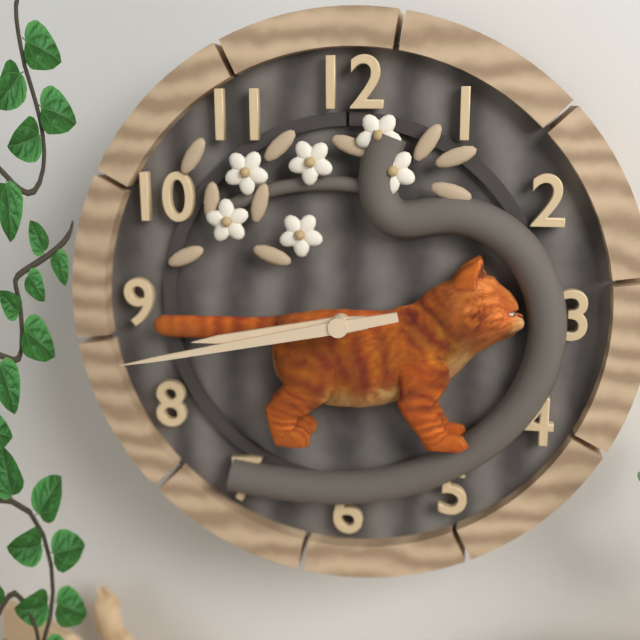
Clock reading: 8h43
